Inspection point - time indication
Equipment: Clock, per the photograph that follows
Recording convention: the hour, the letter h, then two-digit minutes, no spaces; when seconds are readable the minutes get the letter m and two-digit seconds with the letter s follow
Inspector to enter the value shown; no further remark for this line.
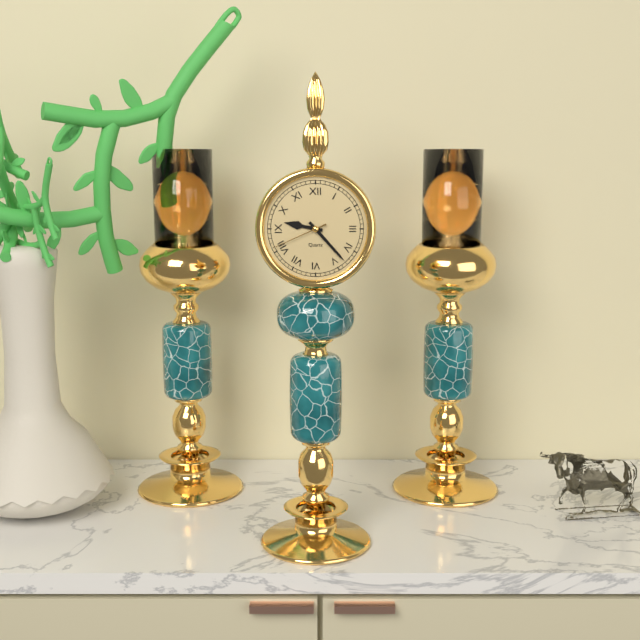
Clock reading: 9h23m41s
